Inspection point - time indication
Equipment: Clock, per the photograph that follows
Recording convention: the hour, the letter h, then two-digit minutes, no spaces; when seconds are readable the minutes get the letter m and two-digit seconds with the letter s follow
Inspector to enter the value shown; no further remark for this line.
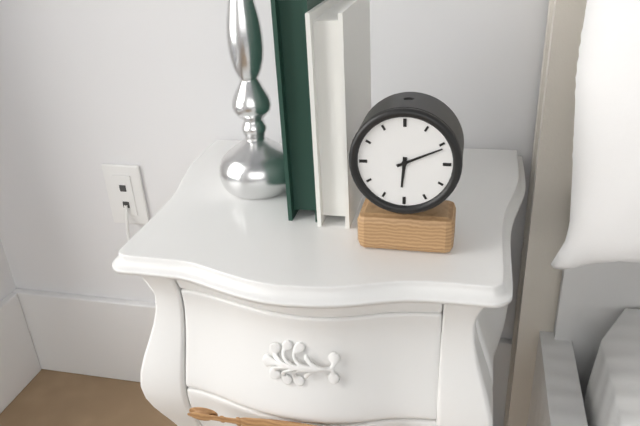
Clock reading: 6h11
